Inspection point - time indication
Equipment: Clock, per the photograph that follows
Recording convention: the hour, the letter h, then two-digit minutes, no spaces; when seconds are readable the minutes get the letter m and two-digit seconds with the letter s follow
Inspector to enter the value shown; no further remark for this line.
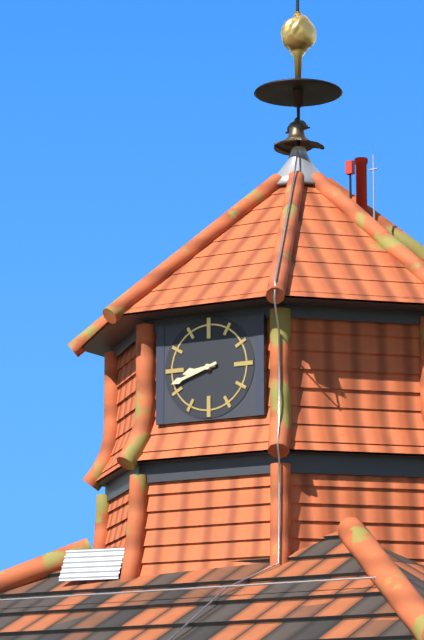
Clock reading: 8h42
